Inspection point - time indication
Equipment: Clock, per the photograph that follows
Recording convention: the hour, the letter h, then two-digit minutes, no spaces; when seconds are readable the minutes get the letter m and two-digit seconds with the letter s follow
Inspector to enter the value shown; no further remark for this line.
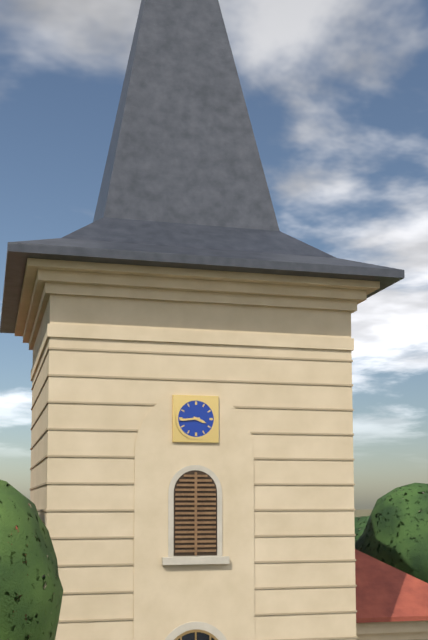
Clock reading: 3h44
